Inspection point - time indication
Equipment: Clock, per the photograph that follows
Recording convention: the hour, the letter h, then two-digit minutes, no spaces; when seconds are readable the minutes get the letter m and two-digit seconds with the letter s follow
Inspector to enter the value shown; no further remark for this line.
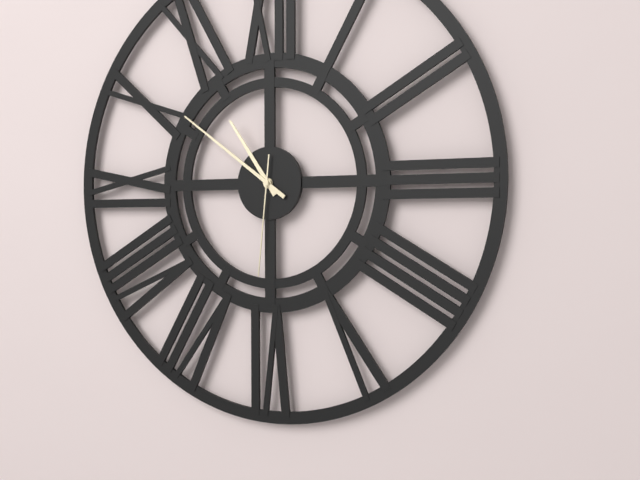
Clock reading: 10h51m31s
